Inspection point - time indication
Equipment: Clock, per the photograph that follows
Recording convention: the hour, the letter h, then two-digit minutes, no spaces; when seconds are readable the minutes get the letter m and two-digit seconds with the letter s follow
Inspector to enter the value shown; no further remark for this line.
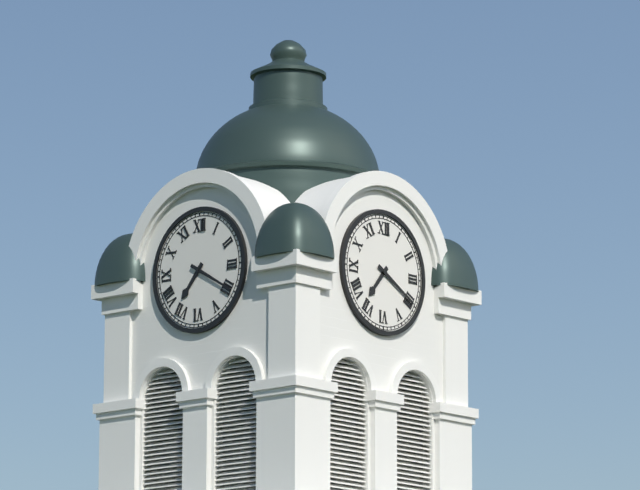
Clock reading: 7h20
